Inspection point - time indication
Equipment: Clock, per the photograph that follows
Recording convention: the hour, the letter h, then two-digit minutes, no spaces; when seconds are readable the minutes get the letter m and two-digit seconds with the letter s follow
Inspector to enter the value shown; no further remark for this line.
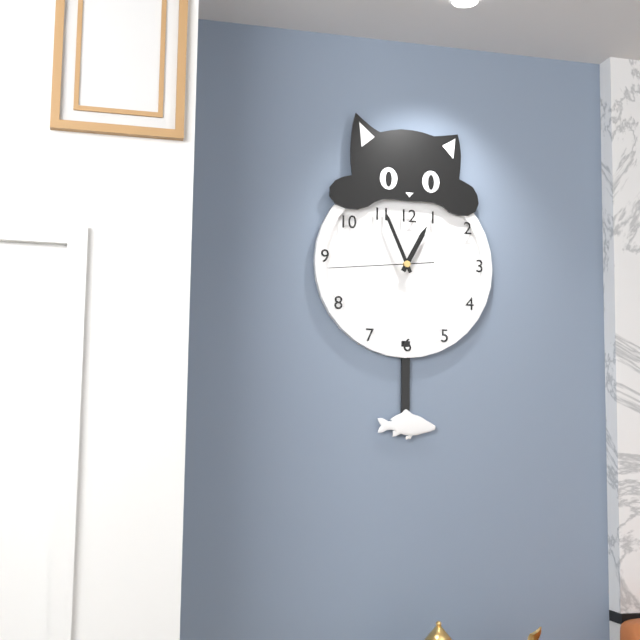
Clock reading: 12h56m44s
